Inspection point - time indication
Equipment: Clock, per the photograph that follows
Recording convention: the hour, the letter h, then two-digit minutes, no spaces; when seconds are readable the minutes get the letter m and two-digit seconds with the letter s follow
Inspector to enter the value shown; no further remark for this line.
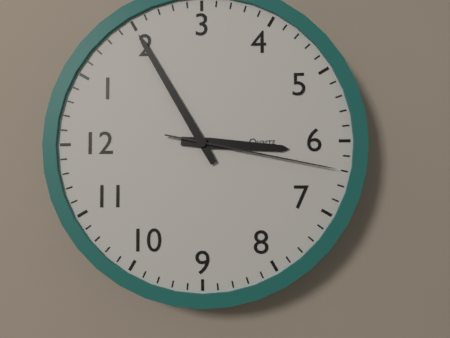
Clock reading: 6h10m32s
